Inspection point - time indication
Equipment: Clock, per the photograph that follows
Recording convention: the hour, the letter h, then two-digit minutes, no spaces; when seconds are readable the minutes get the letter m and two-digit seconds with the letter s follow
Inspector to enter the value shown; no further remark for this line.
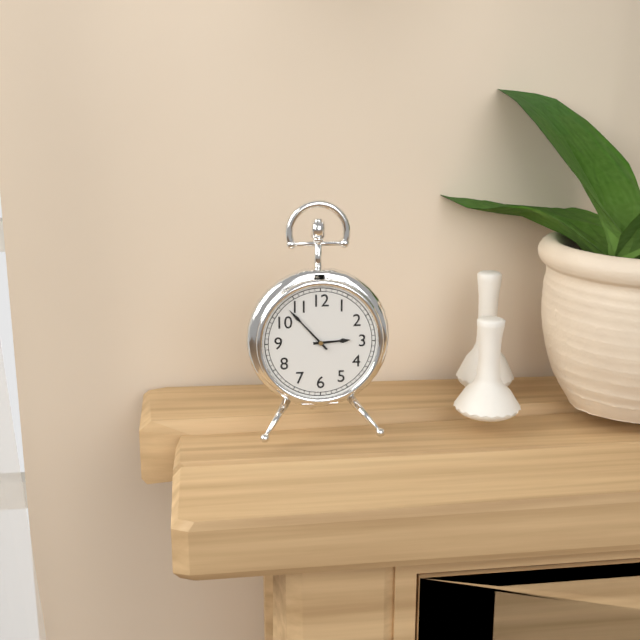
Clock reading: 2h53
